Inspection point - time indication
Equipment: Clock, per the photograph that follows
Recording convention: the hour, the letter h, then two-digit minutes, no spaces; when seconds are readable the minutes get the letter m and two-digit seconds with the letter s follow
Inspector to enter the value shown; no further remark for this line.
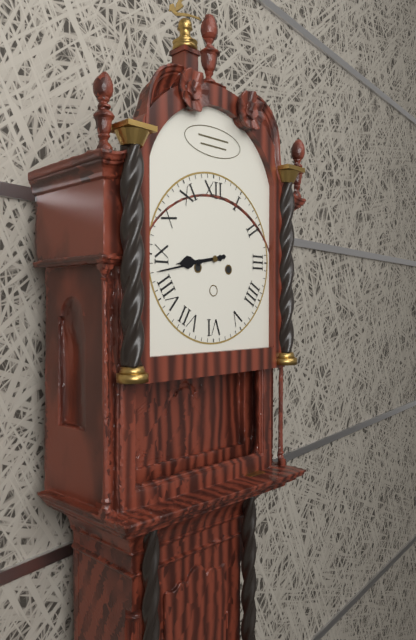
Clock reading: 8h43
